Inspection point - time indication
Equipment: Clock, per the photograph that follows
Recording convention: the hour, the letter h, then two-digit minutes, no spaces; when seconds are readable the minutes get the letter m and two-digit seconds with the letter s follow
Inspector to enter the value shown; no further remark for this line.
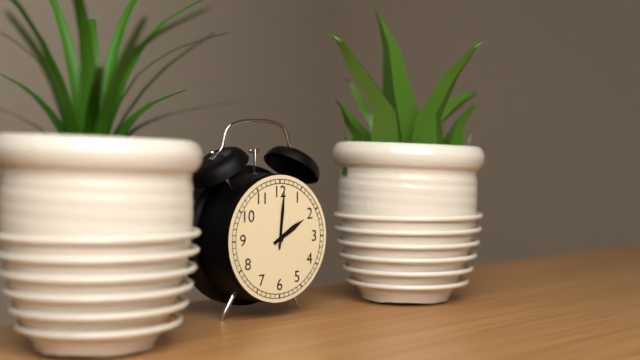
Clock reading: 2h01
